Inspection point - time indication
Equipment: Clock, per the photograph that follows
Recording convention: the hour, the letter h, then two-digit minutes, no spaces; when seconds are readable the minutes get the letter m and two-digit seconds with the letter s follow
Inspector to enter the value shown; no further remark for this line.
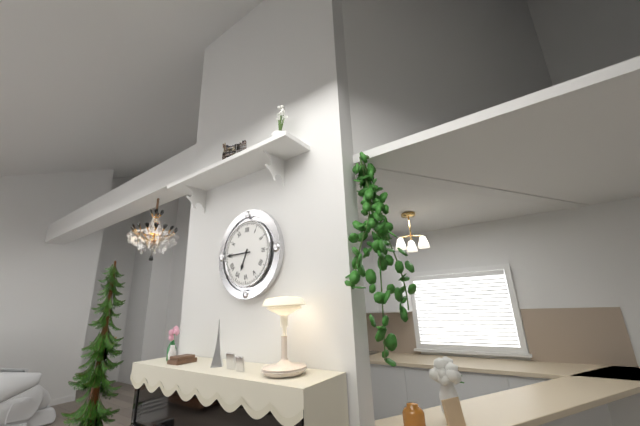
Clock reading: 6h45
